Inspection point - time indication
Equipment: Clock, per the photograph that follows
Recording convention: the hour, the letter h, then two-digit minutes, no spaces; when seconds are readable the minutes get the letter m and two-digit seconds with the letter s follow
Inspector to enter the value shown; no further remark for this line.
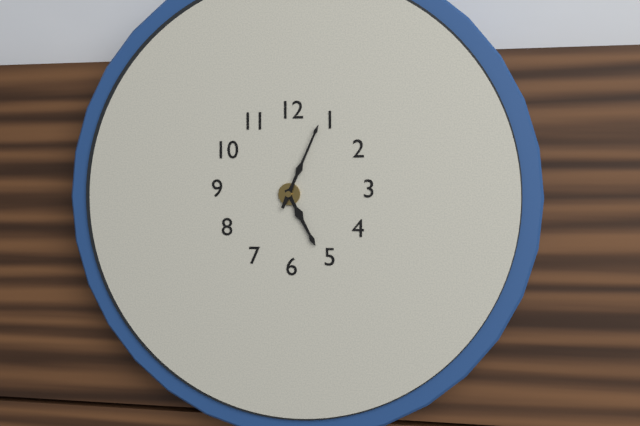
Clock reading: 5h04
